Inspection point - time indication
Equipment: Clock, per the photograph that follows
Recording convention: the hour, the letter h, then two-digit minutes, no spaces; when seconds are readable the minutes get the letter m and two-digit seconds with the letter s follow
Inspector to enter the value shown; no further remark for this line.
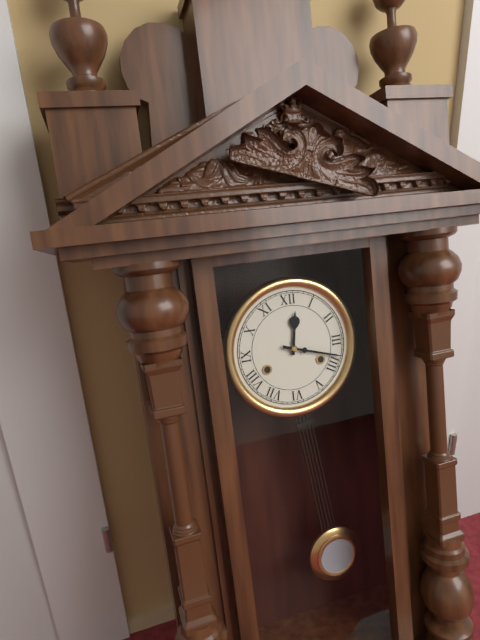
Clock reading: 12h18
